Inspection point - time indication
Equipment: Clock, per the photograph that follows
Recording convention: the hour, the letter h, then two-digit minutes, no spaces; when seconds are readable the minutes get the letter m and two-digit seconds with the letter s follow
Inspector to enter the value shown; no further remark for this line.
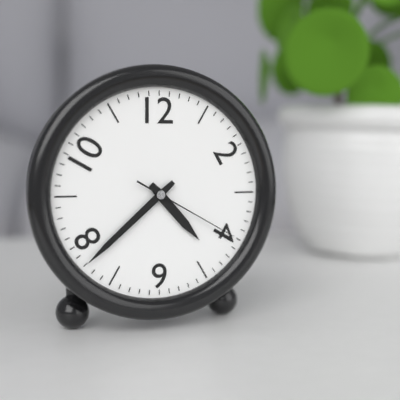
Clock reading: 4h38m20s
